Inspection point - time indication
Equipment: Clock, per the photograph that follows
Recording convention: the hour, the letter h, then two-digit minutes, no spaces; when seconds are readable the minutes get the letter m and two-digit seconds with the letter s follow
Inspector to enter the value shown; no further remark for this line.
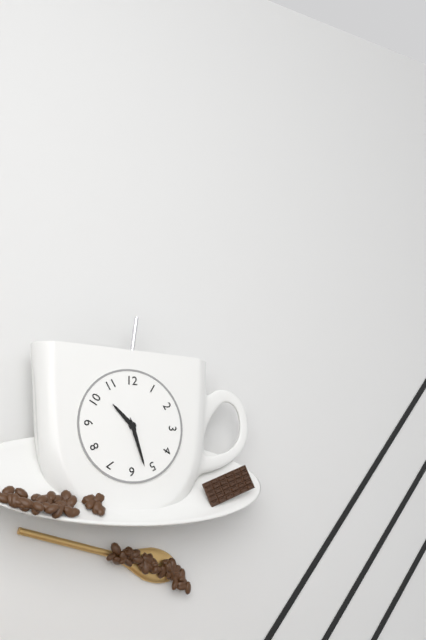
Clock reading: 10h27
